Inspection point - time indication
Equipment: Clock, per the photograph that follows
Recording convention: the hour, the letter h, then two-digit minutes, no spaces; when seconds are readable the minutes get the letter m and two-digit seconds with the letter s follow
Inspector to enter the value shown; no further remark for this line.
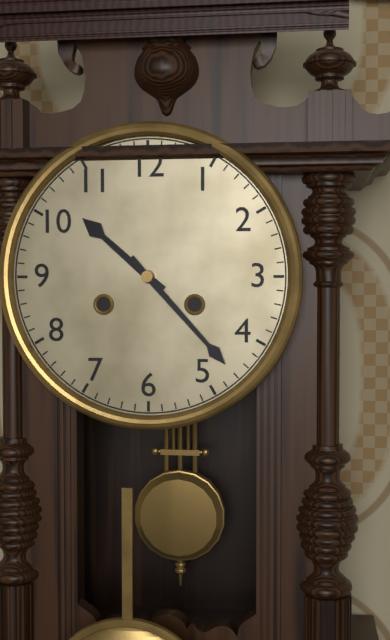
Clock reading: 10h23
